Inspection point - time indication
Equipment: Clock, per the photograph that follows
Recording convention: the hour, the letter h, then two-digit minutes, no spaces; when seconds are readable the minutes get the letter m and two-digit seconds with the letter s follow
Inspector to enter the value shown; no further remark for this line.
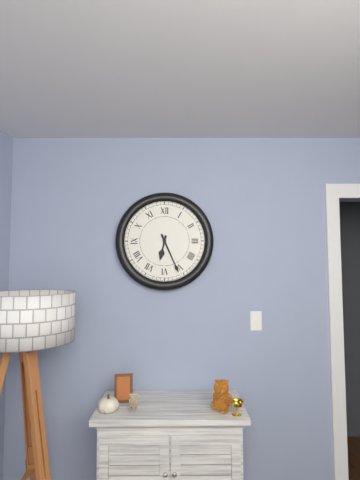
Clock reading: 6h26
